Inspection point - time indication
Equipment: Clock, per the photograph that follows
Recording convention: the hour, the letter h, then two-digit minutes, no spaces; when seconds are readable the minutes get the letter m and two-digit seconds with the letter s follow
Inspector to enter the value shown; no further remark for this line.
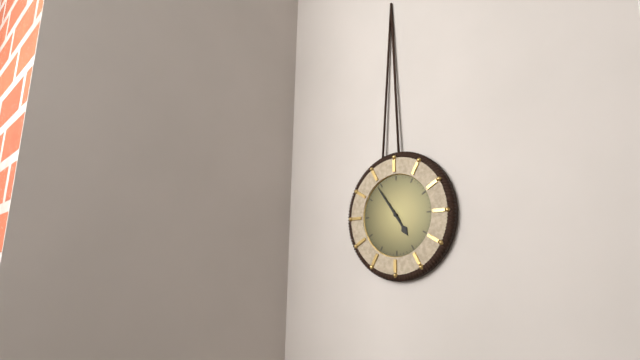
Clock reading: 4h54
